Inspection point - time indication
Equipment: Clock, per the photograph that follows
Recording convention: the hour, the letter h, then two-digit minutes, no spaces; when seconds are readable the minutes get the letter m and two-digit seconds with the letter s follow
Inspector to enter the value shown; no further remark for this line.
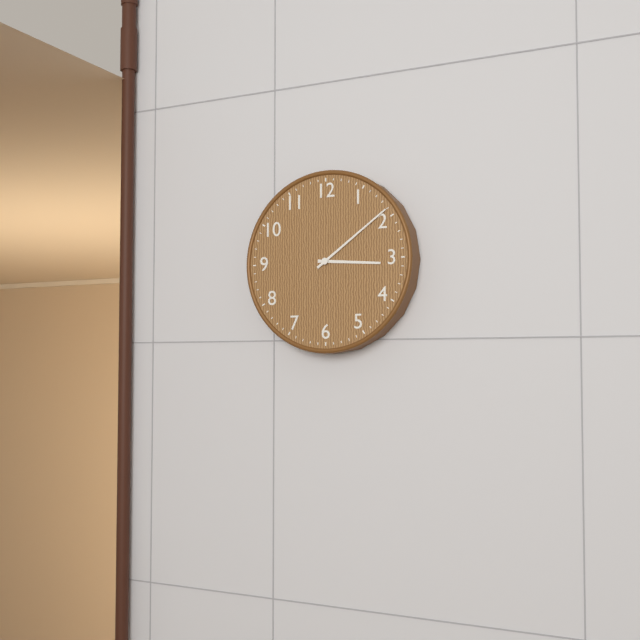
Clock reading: 3h09
